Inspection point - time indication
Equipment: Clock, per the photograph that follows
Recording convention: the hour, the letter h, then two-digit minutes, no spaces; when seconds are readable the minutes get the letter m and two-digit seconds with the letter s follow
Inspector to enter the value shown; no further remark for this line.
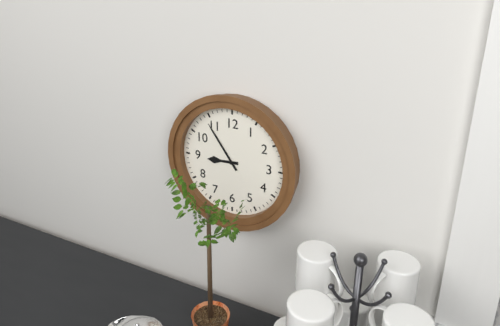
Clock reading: 8h54
